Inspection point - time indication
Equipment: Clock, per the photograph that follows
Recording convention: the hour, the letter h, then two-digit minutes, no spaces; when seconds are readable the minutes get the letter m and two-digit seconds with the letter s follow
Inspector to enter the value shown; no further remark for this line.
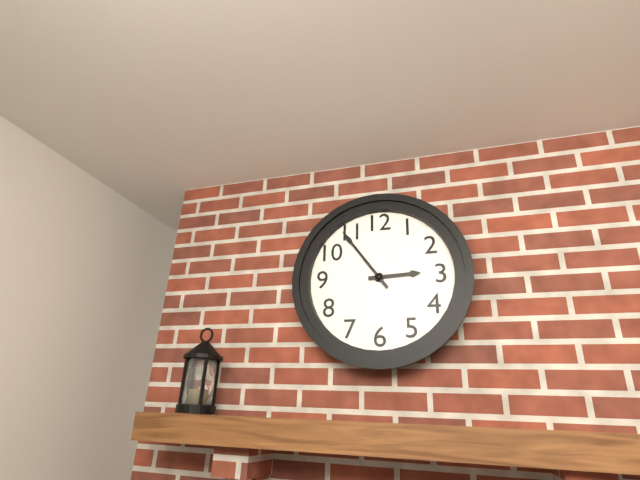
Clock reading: 2h54
